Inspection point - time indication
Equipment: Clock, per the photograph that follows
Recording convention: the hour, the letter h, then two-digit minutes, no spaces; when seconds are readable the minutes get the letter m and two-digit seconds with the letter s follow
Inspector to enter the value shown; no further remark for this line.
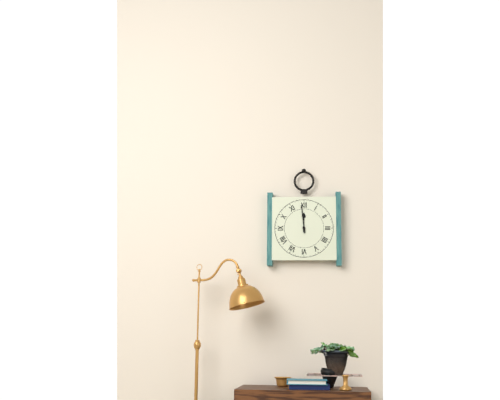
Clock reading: 11h59
